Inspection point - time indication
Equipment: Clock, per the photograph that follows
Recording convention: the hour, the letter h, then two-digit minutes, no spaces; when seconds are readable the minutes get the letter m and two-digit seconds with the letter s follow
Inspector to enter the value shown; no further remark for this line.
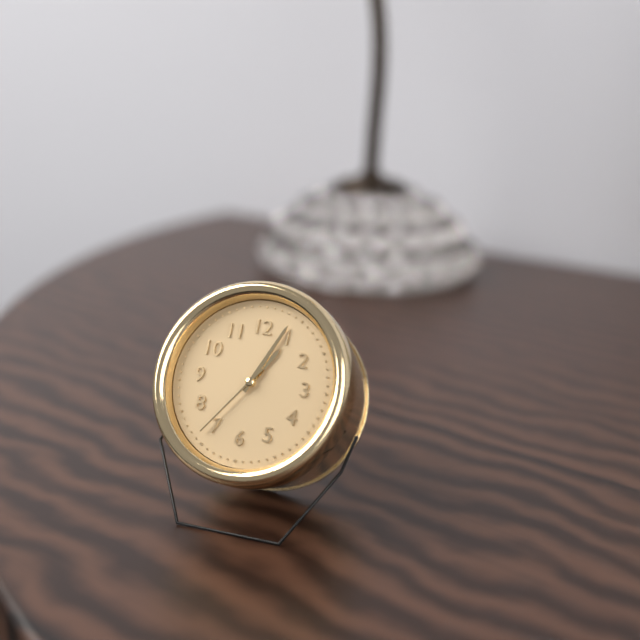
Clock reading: 1h04m36s
